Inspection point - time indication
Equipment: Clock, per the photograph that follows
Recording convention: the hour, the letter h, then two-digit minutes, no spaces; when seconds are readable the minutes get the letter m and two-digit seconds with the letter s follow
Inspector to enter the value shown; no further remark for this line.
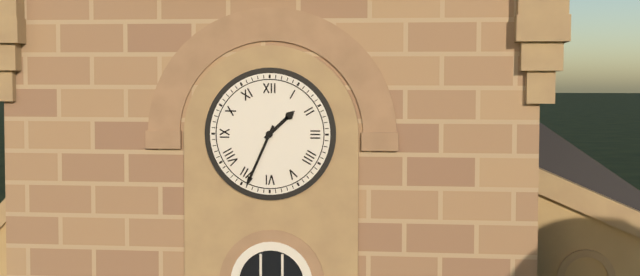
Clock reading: 1h34
